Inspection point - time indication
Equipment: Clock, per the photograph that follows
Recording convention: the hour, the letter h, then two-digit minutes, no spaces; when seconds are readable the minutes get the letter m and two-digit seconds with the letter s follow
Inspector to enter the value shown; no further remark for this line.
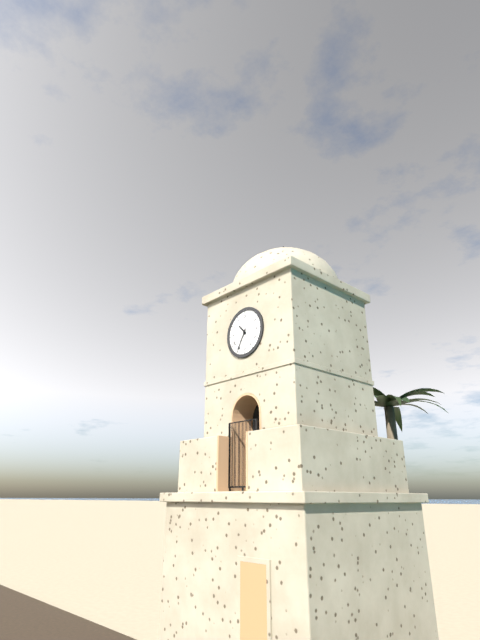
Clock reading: 10h35
